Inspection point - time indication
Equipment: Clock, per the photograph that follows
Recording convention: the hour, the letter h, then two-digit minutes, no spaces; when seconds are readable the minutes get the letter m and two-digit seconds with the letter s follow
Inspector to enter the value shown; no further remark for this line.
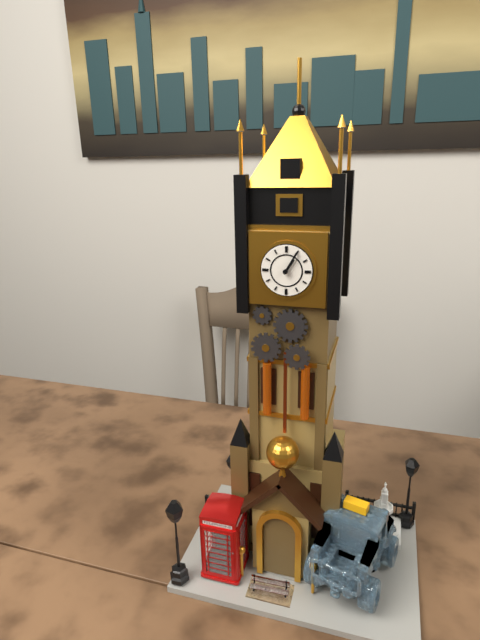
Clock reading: 1h05
